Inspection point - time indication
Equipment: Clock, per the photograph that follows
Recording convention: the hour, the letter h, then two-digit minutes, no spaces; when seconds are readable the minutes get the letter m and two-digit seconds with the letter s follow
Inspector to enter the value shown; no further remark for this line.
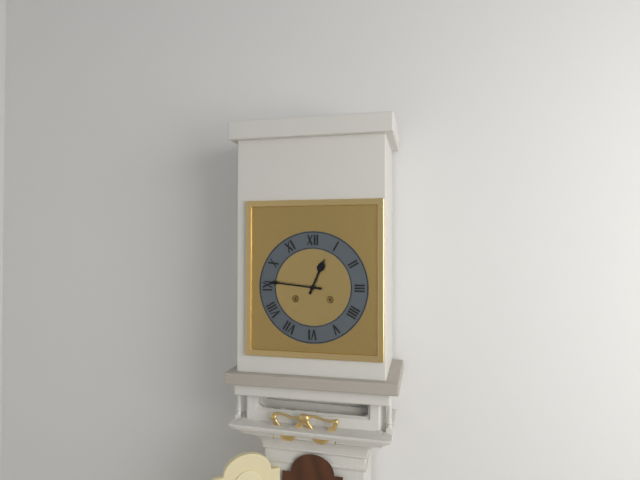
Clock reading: 12h46
